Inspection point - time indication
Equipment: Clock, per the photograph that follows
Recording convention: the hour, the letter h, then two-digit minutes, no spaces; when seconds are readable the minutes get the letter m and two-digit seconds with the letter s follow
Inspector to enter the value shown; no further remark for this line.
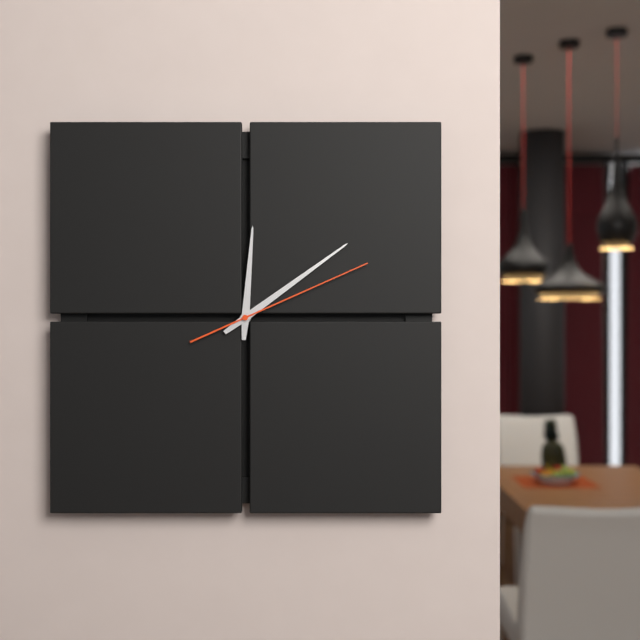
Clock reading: 12h09m11s
